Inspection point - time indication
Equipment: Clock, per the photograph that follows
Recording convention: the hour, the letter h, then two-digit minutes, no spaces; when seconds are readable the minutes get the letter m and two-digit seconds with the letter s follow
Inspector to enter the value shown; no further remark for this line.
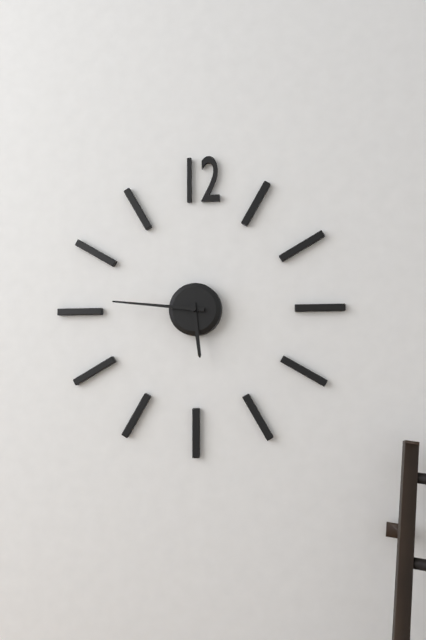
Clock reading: 5h46
